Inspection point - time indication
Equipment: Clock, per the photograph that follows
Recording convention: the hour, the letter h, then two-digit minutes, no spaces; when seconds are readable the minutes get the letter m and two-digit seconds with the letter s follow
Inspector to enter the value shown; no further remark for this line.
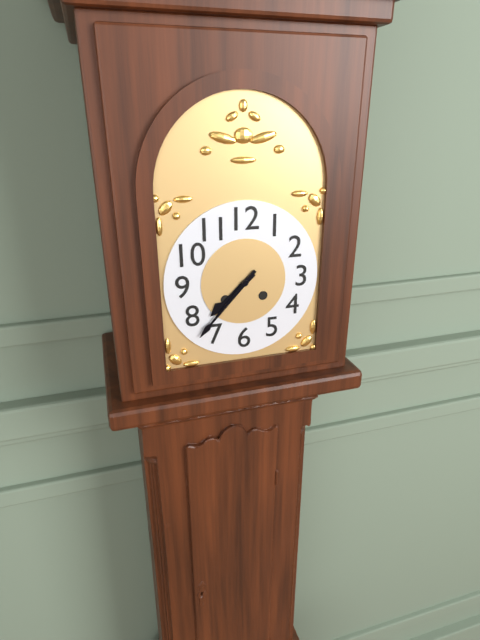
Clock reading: 7h37
